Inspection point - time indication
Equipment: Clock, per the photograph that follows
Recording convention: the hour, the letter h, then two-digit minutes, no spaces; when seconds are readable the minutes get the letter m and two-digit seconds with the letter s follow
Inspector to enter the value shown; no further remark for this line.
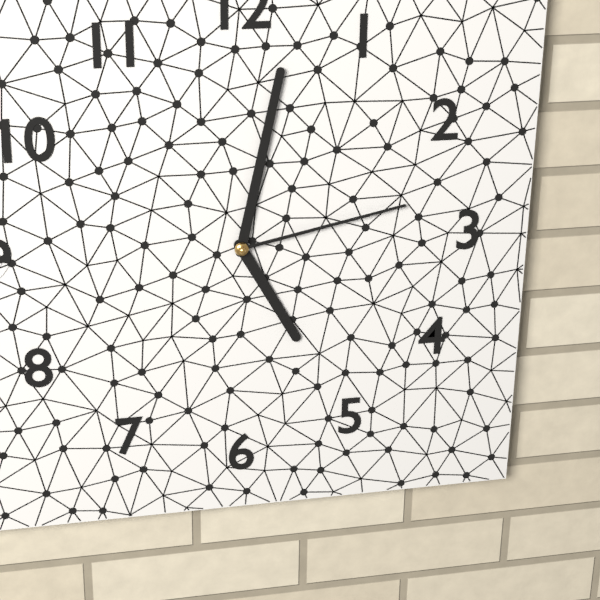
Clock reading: 5h02m13s
